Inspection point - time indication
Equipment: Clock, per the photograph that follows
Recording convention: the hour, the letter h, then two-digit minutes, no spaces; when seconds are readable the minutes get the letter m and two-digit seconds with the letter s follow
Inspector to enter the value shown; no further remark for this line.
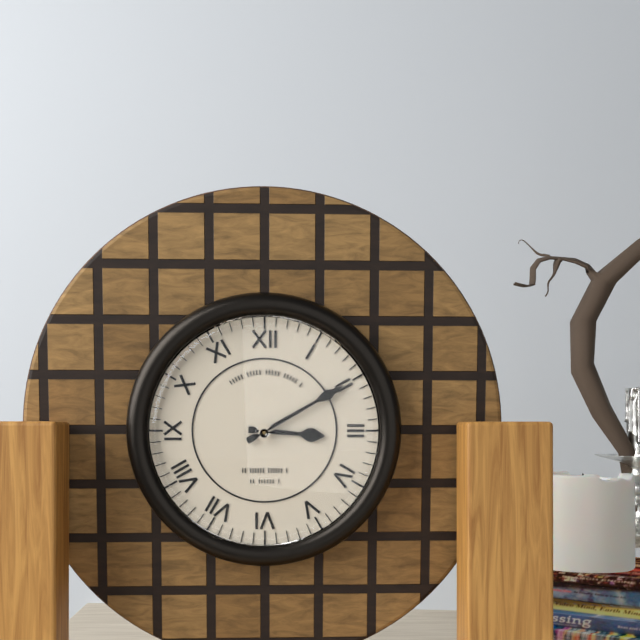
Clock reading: 3h10
